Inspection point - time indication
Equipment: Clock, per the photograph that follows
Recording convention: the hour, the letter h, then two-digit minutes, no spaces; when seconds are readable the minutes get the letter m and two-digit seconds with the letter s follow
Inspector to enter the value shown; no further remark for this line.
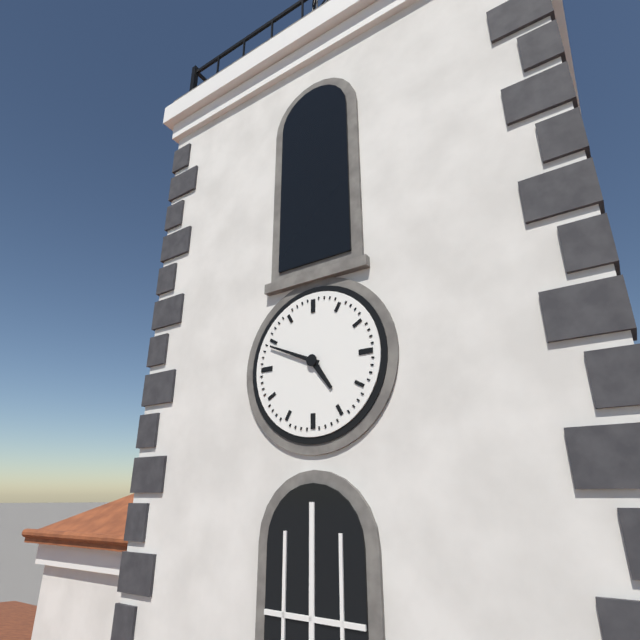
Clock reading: 4h49
